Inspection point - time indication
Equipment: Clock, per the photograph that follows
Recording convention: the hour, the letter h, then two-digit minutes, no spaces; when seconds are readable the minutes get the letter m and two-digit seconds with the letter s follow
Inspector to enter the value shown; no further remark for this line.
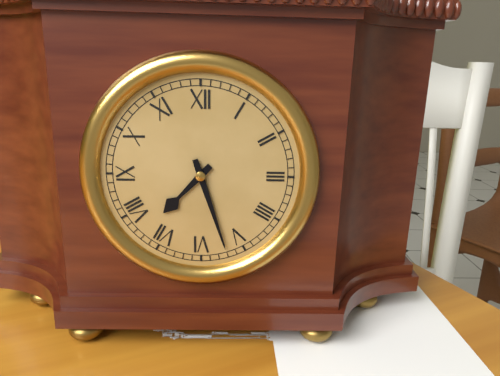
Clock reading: 7h27
